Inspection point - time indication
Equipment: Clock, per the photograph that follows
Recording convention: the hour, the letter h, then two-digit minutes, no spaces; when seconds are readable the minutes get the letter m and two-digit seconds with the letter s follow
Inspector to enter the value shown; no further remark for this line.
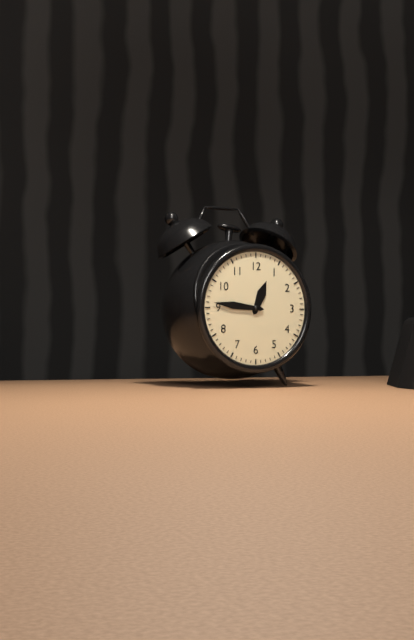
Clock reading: 12h46
